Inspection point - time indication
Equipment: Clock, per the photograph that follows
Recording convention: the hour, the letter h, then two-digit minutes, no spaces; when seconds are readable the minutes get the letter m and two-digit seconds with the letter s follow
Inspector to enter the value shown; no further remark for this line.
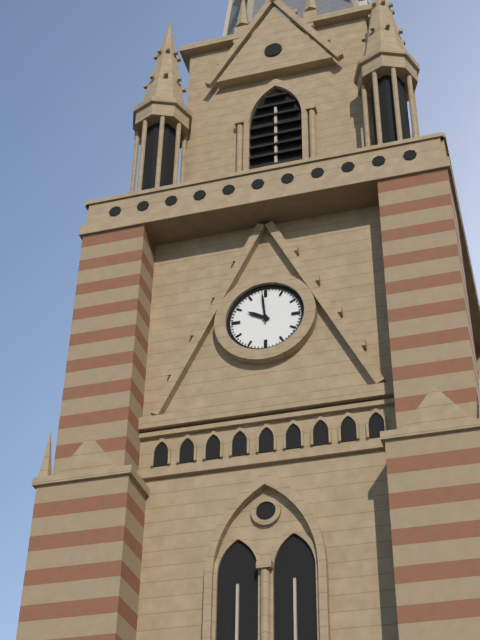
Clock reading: 9h59
